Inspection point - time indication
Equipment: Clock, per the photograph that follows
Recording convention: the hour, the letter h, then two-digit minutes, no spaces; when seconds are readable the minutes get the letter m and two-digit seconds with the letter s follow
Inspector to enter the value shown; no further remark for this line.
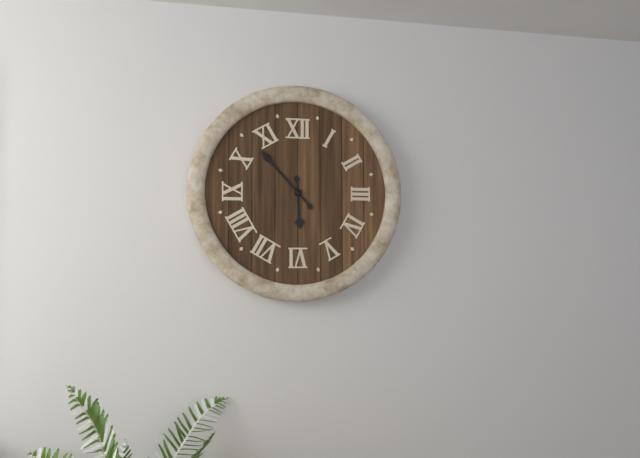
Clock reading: 5h53
